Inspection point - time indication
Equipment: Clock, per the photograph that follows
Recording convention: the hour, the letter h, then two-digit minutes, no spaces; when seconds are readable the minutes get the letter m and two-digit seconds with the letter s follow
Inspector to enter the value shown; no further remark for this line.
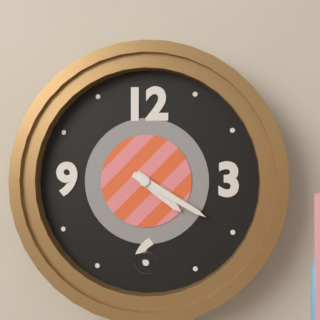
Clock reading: 4h20
